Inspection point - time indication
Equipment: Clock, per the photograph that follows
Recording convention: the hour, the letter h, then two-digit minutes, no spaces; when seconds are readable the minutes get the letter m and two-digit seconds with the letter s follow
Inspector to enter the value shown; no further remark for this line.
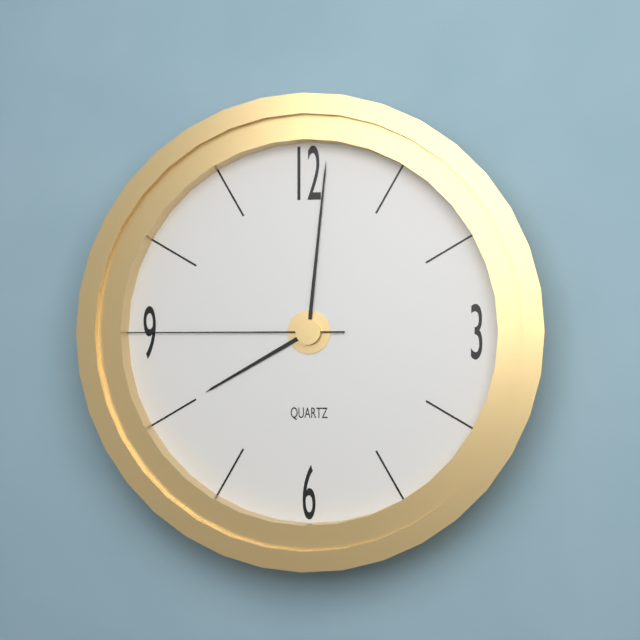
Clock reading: 8h01m45s
